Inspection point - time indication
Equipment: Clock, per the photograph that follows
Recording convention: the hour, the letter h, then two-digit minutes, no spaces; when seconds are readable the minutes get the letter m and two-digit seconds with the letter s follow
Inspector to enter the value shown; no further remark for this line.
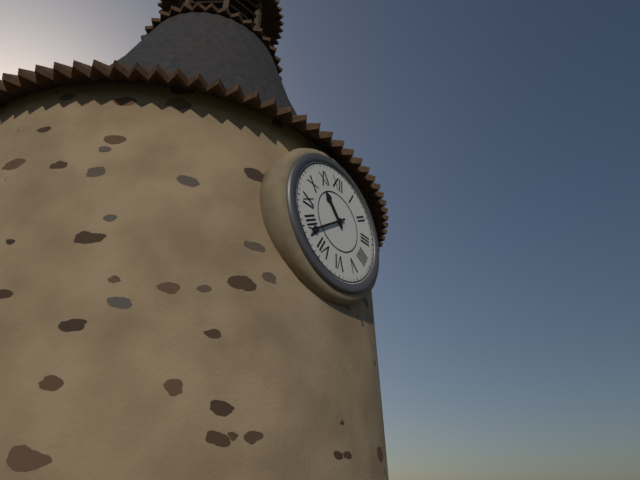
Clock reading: 10h39
